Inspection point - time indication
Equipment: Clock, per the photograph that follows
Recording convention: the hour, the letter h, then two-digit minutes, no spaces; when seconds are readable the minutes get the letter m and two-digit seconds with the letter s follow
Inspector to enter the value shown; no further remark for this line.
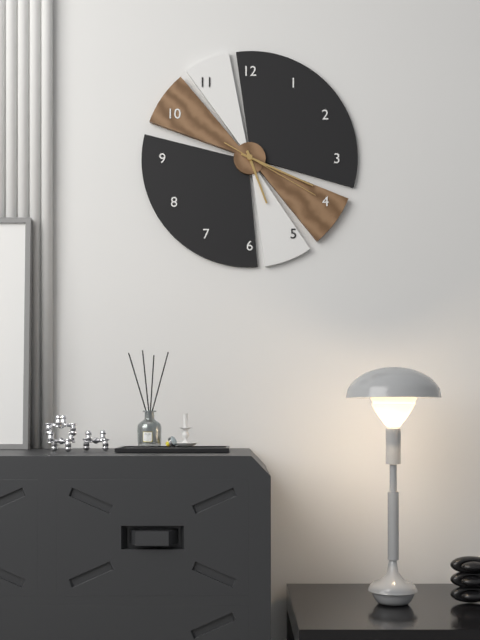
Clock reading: 5h19m20s
